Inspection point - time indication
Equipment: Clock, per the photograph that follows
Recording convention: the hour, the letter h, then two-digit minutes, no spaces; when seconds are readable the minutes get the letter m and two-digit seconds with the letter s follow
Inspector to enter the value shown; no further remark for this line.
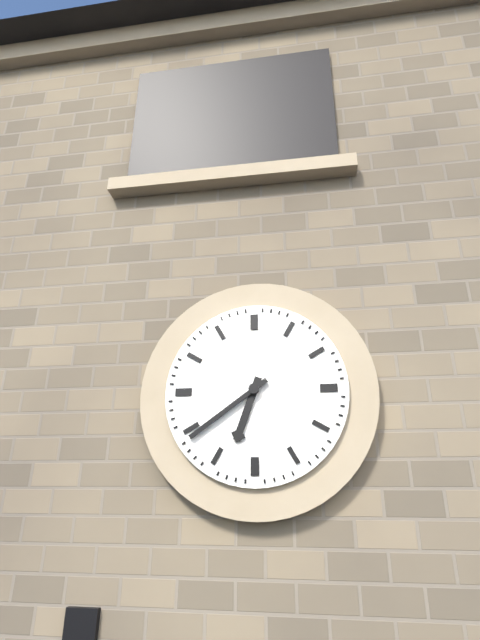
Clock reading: 6h39
